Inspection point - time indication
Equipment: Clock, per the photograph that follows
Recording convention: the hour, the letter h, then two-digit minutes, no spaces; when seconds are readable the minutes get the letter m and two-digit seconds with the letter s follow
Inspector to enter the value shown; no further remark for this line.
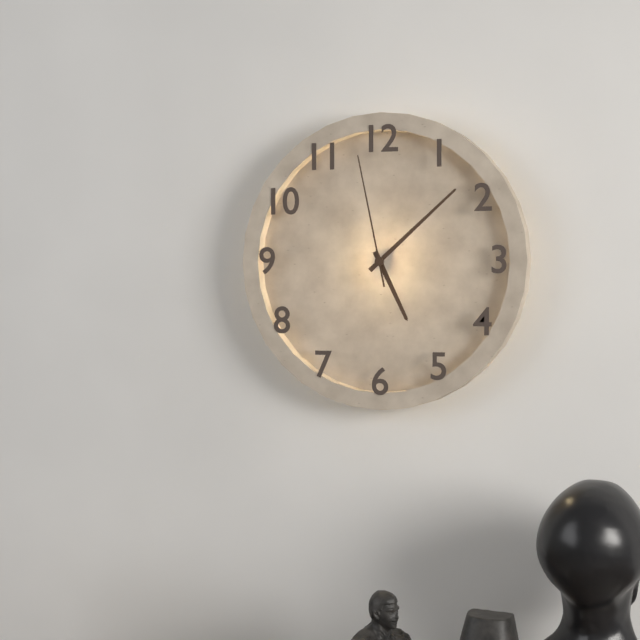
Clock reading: 5h08m58s
